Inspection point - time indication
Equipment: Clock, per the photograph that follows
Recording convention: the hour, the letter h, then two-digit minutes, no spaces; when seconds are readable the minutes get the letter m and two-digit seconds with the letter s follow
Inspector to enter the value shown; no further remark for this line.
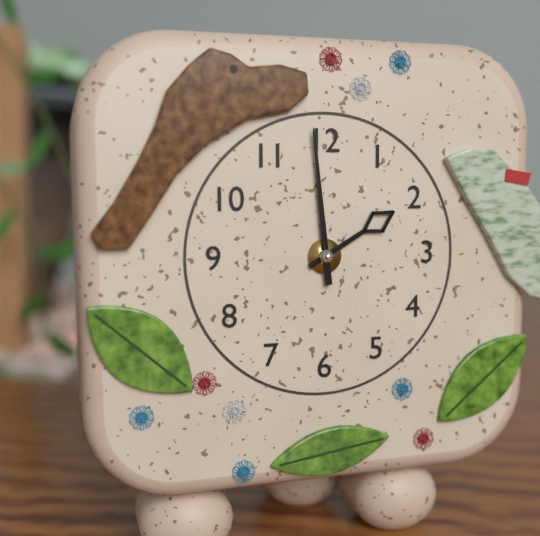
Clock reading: 1h59
